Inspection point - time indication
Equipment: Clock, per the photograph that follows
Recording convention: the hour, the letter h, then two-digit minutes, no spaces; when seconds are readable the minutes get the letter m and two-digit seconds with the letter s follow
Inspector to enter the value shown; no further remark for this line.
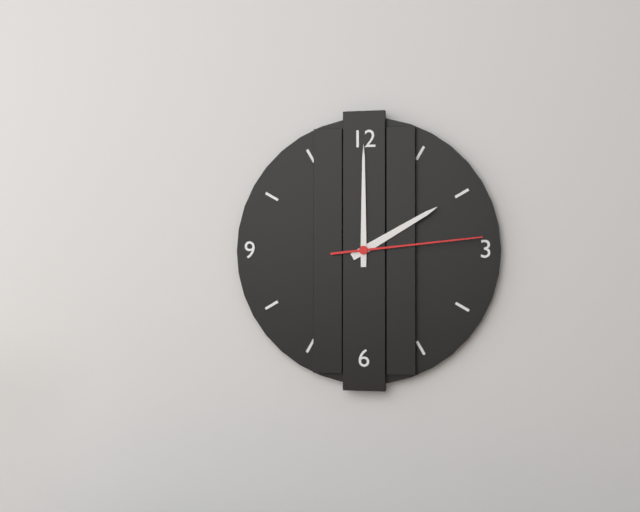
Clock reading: 2h00m14s
